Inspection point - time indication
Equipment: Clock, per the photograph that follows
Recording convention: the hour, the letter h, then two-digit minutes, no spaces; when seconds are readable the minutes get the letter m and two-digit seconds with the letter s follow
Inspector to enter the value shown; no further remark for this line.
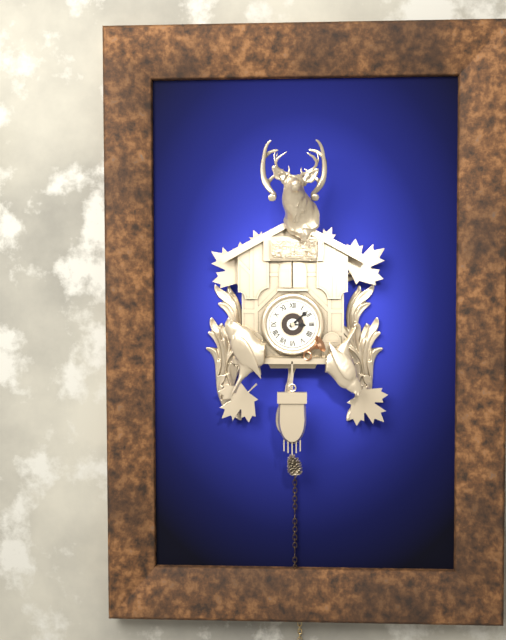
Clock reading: 3h08
